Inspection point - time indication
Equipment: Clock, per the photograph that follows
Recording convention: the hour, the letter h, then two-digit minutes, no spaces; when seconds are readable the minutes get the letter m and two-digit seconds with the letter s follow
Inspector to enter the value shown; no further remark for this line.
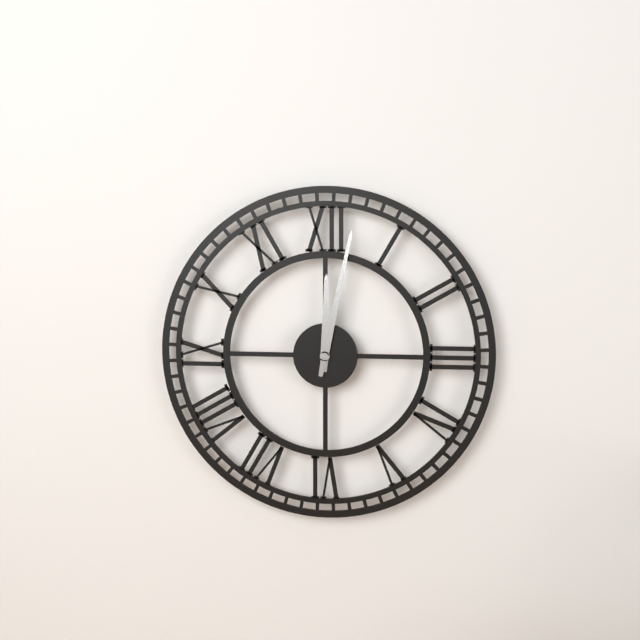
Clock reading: 12h02
